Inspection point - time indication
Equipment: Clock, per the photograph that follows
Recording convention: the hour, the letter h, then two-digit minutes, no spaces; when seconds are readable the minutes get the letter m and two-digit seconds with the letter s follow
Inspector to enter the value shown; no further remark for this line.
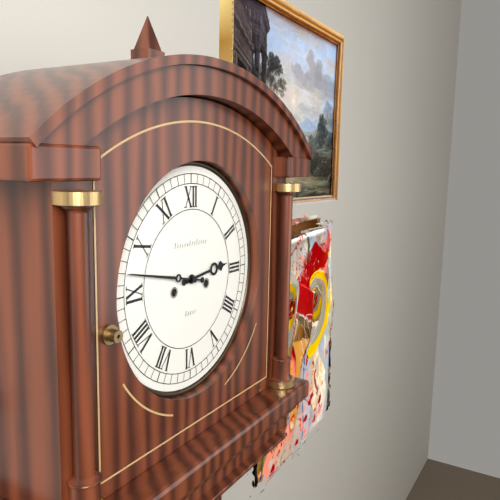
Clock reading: 2h47
